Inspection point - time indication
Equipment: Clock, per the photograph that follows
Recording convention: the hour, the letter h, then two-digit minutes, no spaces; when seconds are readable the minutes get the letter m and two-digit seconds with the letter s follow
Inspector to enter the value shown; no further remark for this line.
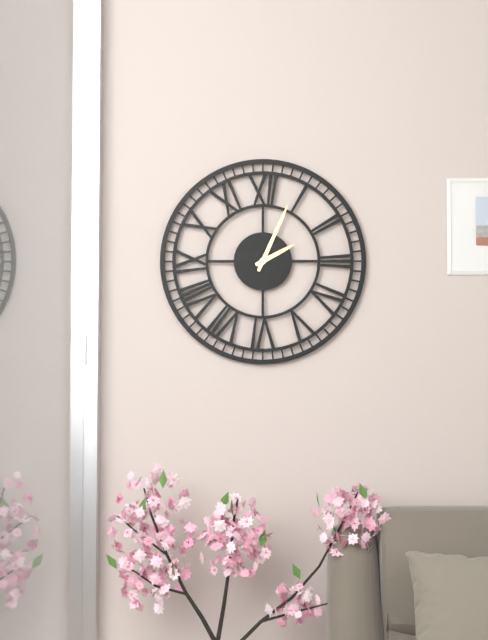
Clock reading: 2h04
